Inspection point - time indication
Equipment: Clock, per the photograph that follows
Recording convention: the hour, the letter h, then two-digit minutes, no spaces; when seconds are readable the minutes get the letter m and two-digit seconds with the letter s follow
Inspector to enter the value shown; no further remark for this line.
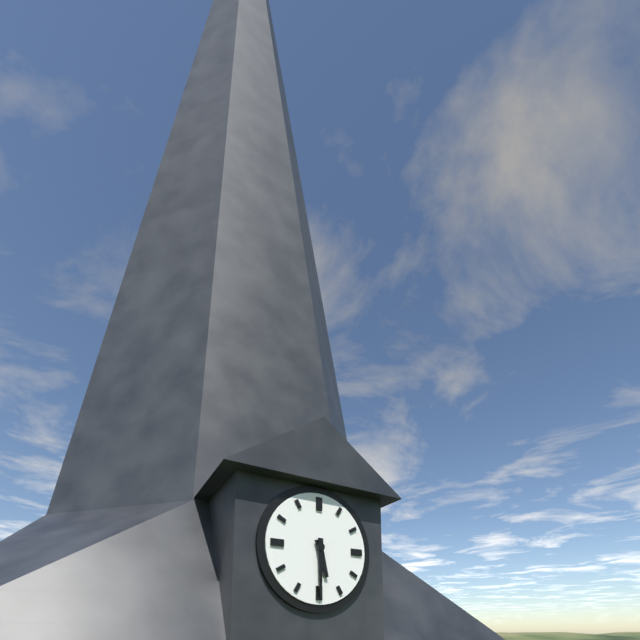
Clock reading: 5h30
